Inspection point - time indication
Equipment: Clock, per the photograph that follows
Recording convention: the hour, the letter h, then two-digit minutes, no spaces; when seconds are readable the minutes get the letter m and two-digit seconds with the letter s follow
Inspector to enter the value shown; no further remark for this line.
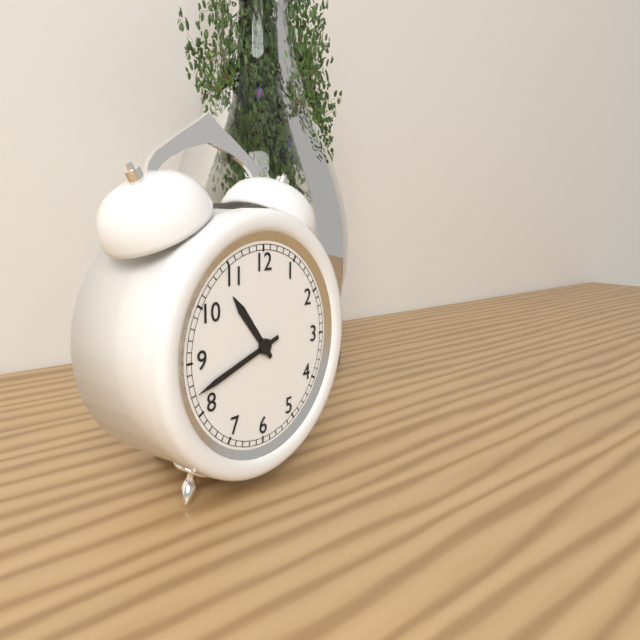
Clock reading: 10h42
